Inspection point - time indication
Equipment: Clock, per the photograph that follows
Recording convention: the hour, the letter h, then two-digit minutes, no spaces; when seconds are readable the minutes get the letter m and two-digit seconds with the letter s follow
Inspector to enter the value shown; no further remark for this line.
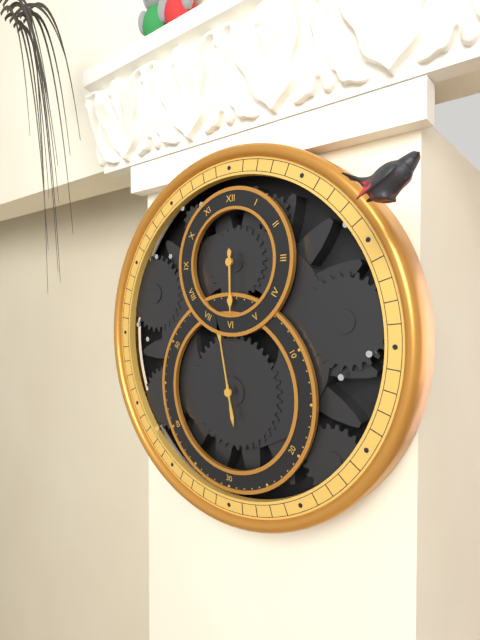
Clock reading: 5h58
